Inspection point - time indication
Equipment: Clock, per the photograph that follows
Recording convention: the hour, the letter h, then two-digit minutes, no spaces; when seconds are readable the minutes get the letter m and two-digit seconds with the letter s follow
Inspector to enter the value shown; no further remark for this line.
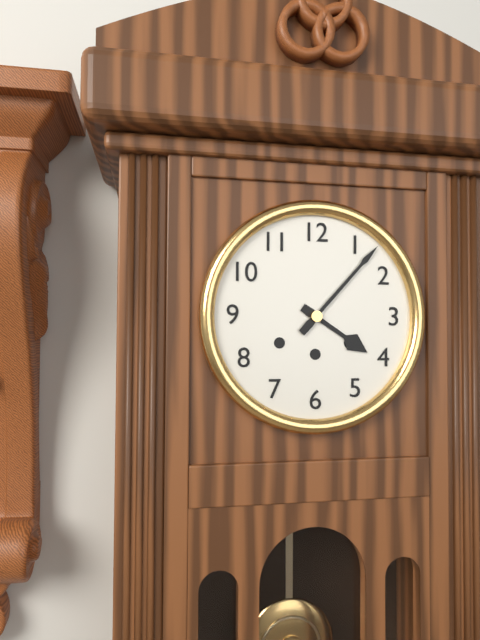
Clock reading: 4h07
